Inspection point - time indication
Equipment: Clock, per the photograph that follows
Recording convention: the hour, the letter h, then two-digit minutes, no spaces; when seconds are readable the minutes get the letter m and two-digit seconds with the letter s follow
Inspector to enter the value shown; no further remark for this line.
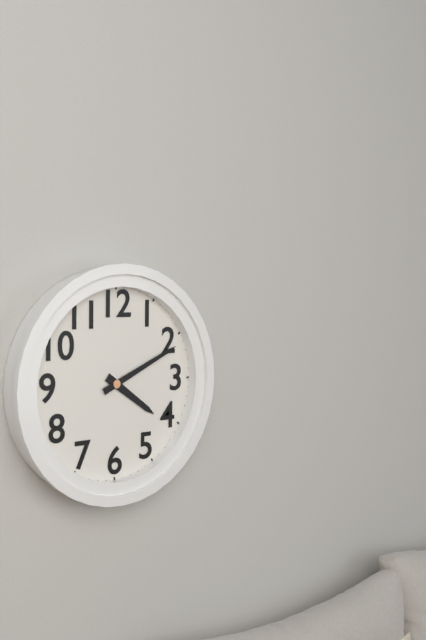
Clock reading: 4h11
